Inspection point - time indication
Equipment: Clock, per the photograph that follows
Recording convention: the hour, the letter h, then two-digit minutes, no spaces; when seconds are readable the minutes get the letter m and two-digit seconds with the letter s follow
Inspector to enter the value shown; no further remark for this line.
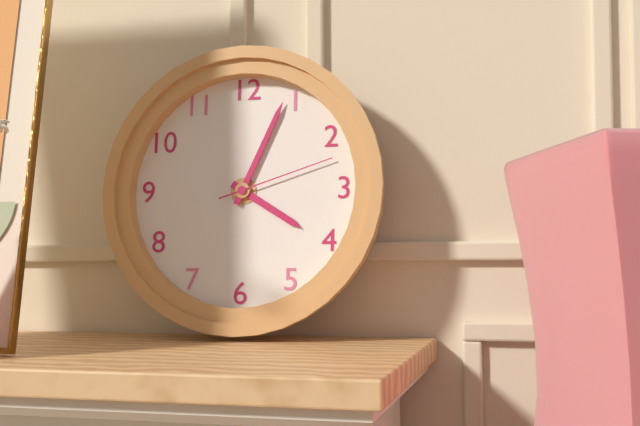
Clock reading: 4h04m12s
